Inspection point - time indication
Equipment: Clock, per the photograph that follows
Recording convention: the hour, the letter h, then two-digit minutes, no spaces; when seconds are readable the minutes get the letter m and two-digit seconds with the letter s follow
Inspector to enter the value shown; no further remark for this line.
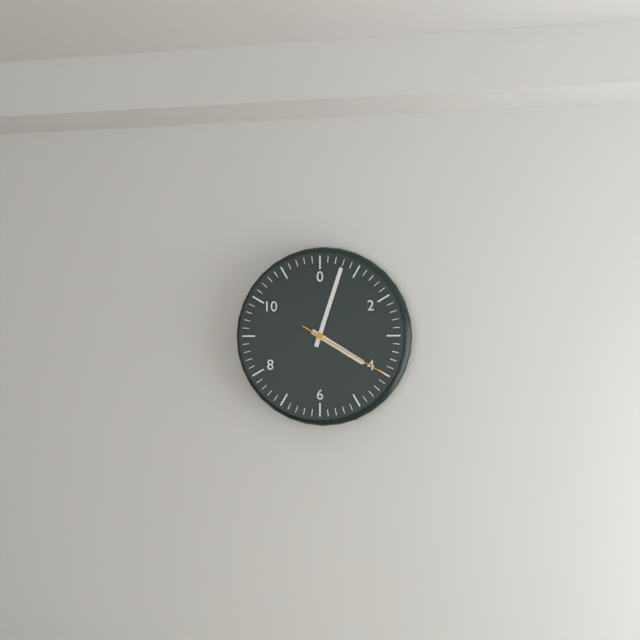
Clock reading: 4h03m20s
